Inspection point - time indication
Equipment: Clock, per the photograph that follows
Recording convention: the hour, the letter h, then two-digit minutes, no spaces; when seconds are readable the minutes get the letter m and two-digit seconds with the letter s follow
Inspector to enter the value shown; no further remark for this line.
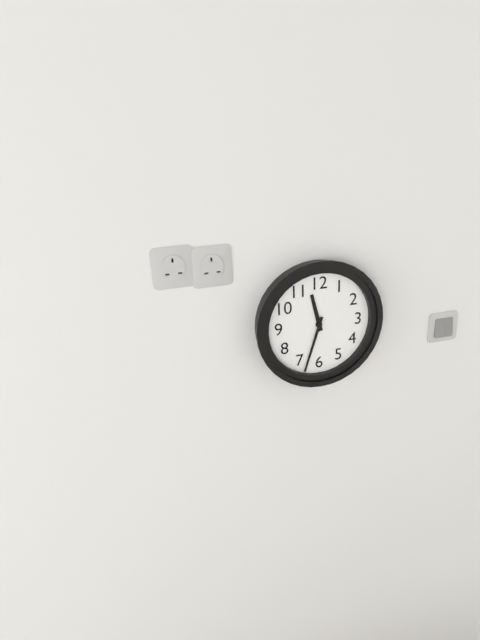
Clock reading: 11h33
